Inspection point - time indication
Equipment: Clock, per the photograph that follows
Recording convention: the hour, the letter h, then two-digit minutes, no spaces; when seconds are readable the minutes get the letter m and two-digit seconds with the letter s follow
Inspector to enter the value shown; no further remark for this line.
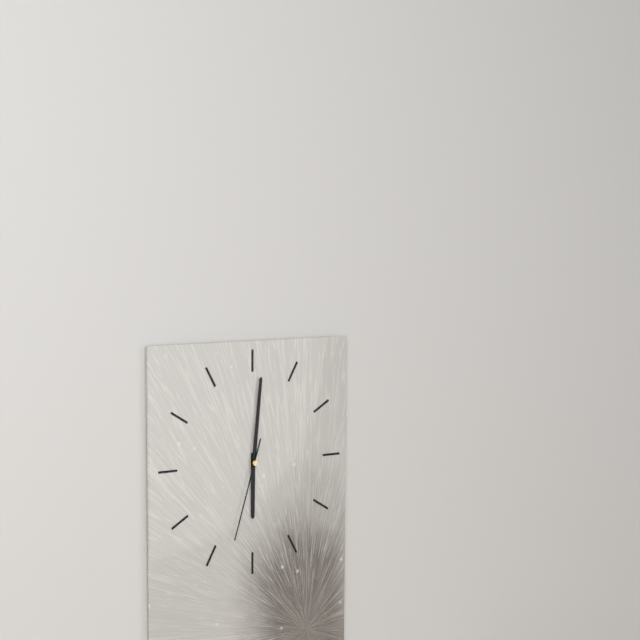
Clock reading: 6h01m33s
